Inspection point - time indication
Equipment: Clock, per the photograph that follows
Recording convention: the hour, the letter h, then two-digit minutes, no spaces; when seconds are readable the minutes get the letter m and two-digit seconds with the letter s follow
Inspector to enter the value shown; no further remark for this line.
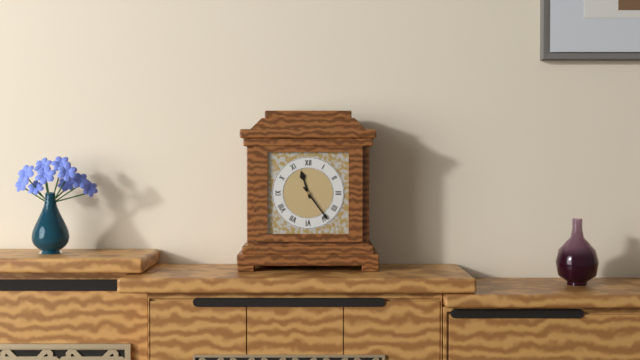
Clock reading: 11h24
